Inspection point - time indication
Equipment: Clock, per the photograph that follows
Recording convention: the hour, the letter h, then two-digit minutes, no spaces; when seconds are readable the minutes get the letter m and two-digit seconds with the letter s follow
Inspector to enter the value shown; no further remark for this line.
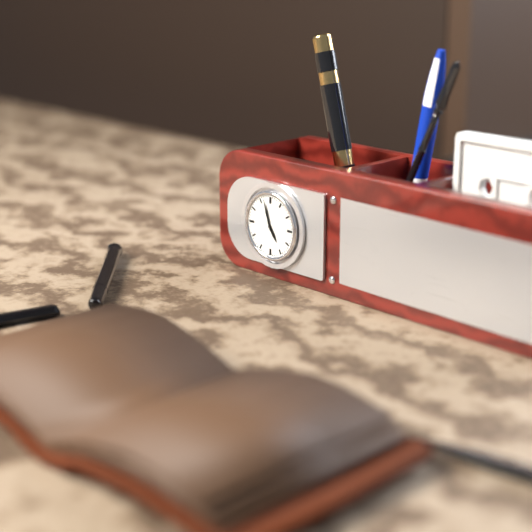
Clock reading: 4h57
